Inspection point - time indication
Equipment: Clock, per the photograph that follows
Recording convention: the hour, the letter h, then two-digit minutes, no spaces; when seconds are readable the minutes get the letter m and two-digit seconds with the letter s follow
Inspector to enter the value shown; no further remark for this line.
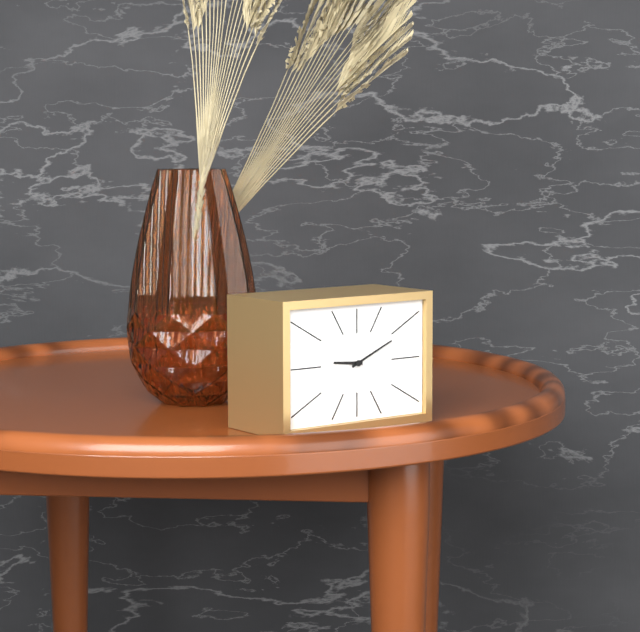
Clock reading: 9h11
